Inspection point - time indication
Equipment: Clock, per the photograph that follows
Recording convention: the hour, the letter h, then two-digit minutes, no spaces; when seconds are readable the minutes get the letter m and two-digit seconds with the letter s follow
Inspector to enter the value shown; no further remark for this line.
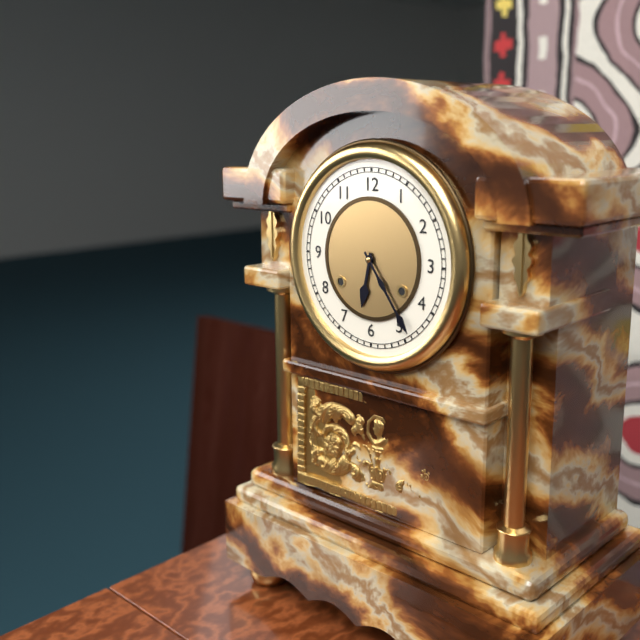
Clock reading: 6h24
